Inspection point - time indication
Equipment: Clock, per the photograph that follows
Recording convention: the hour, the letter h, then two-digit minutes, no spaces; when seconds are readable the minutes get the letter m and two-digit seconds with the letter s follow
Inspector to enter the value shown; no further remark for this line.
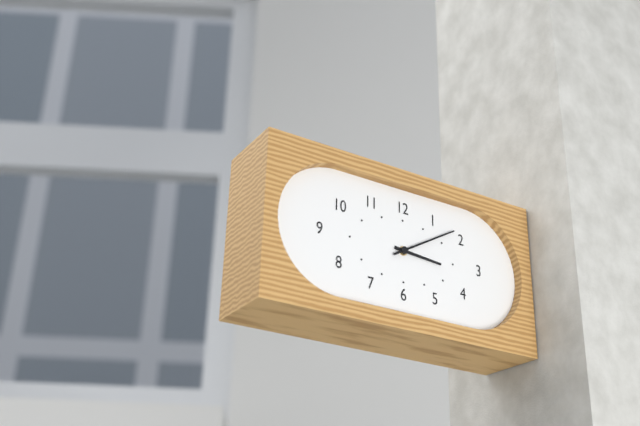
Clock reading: 3h10
